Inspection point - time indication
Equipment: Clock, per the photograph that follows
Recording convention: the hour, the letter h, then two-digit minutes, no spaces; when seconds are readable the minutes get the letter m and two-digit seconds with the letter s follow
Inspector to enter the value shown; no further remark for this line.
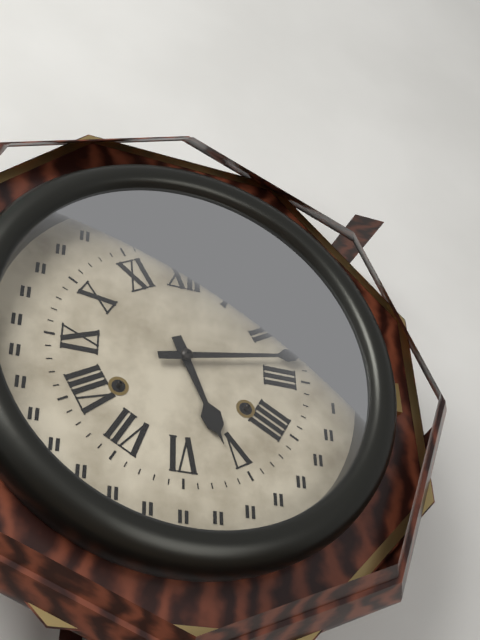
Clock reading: 5h13
